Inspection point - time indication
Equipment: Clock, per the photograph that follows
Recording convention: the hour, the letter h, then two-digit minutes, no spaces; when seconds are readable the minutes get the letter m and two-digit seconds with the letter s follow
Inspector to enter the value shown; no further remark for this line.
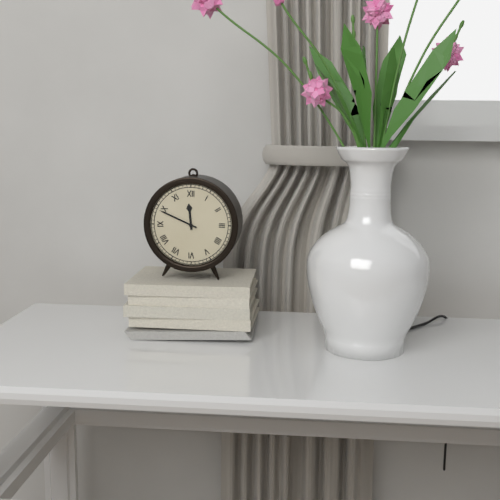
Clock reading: 11h49
